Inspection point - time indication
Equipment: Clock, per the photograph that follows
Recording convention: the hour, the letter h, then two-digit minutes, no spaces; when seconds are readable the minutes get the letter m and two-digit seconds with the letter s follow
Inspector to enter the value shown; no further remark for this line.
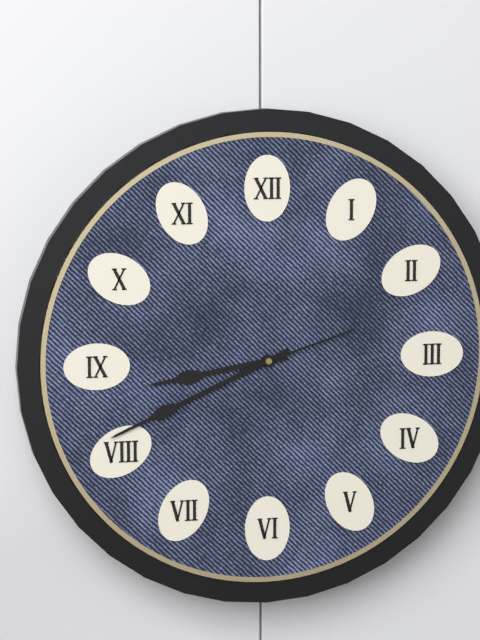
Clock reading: 8h41m12s
